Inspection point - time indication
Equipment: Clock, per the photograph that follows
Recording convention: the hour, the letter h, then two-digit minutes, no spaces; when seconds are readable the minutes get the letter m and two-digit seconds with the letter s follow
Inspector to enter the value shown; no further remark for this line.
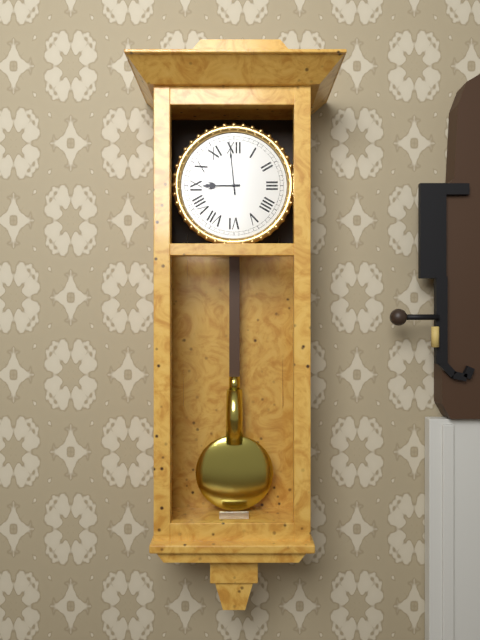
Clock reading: 8h59
